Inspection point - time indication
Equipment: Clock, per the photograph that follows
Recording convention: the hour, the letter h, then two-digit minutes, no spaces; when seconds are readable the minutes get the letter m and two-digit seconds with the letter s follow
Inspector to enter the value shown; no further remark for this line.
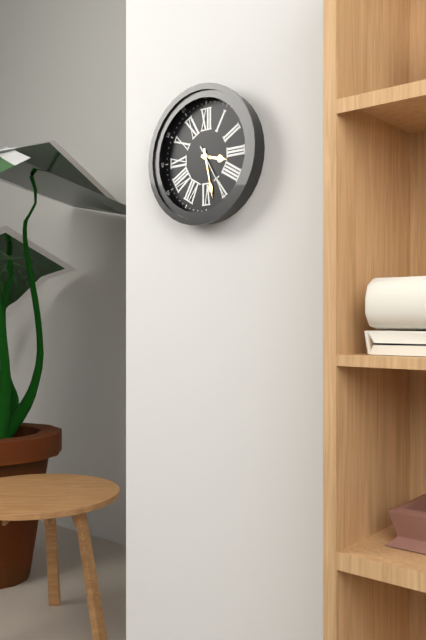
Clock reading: 3h28m25s
